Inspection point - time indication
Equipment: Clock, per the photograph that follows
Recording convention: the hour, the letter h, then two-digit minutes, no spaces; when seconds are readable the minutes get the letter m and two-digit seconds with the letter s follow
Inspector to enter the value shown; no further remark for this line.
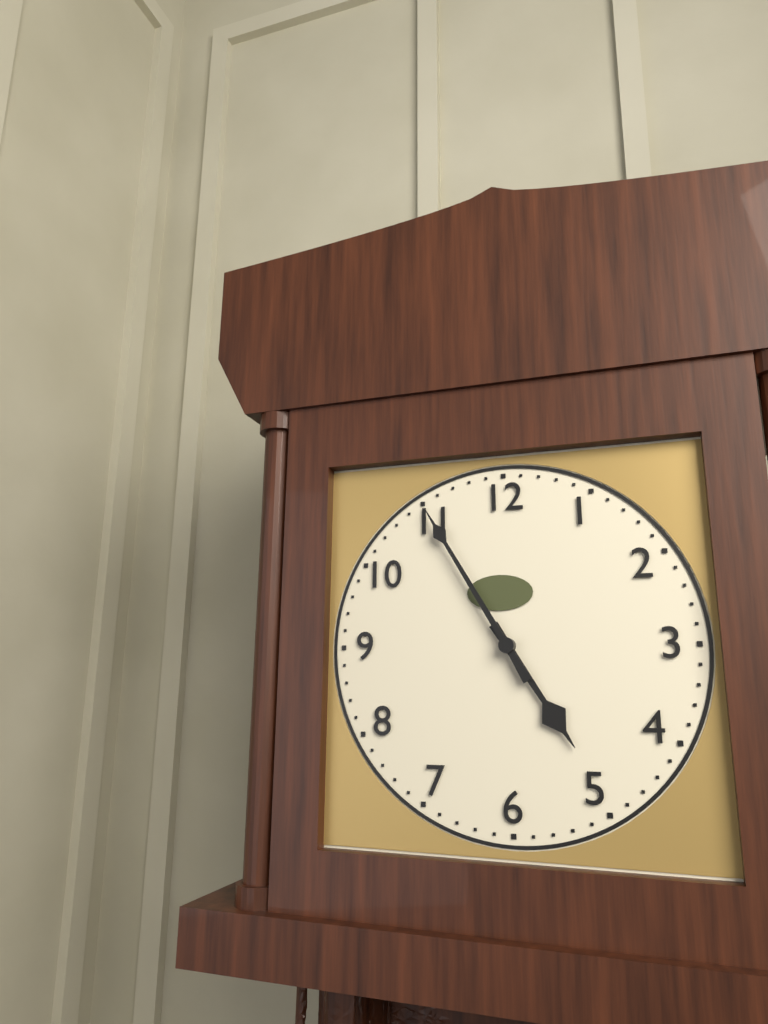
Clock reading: 4h55
